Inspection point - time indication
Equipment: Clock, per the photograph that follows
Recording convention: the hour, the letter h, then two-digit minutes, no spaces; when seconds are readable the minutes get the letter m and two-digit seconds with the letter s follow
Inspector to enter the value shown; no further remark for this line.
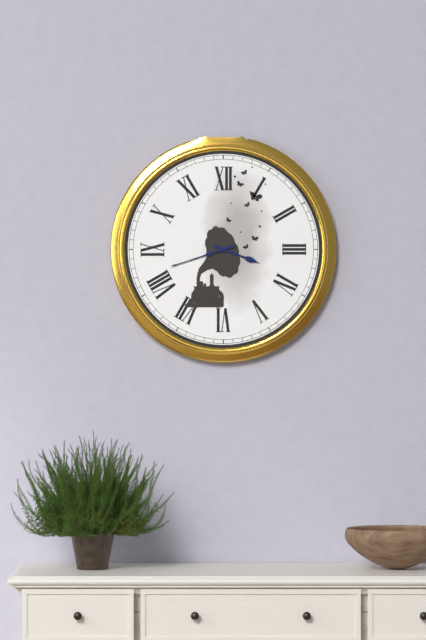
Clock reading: 3h42
